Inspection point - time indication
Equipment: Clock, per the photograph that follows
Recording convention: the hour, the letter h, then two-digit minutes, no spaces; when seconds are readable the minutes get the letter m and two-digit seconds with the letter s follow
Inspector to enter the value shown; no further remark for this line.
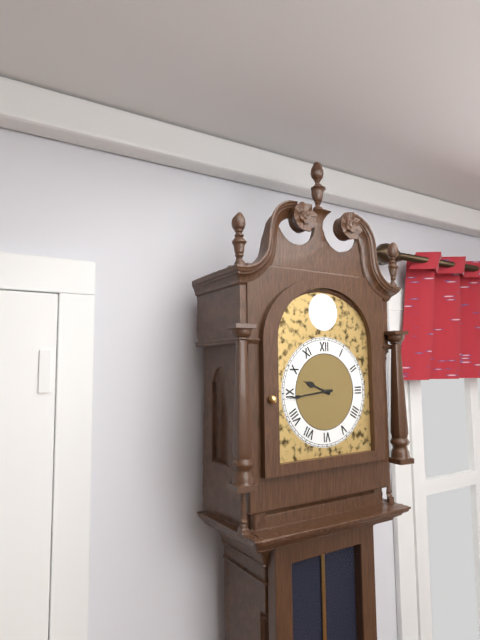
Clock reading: 9h44
